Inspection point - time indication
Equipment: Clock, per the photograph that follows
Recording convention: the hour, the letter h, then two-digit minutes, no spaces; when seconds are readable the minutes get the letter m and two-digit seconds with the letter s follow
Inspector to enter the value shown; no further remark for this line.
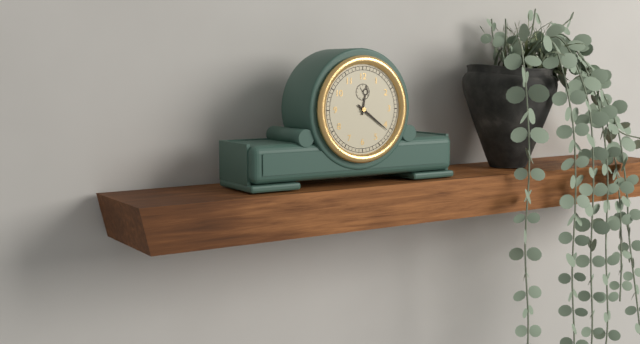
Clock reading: 12h21
